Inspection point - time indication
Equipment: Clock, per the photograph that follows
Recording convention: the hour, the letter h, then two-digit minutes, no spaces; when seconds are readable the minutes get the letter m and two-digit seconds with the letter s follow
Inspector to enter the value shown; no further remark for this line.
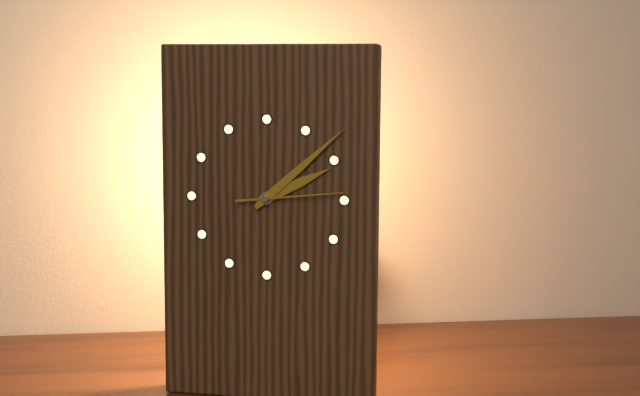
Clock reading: 2h08m14s
